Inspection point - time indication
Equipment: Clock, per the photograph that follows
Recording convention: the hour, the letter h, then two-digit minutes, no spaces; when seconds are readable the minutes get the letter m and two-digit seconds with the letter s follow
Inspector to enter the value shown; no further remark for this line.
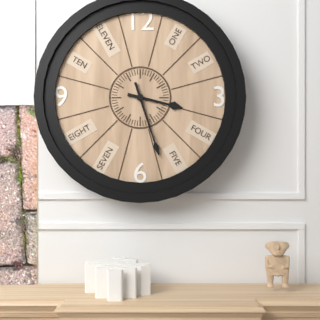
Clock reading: 3h27
